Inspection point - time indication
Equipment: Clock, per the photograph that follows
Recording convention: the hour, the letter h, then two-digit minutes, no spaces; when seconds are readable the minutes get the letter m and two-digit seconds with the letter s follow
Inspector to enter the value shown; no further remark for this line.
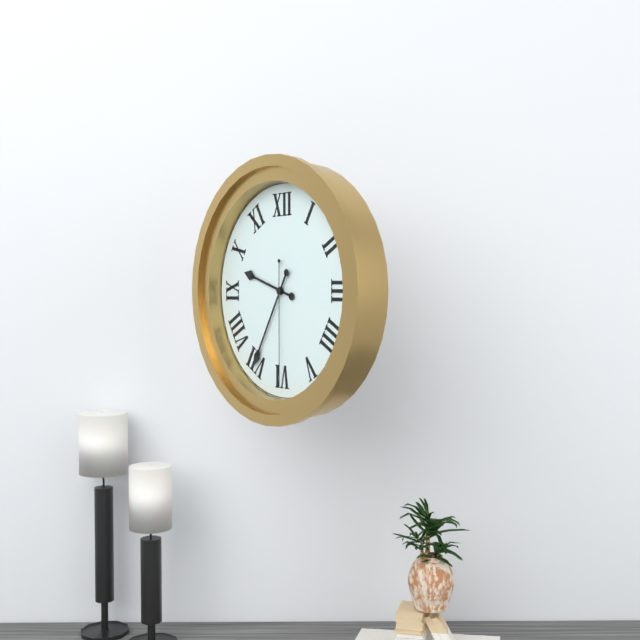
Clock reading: 9h35m30s
